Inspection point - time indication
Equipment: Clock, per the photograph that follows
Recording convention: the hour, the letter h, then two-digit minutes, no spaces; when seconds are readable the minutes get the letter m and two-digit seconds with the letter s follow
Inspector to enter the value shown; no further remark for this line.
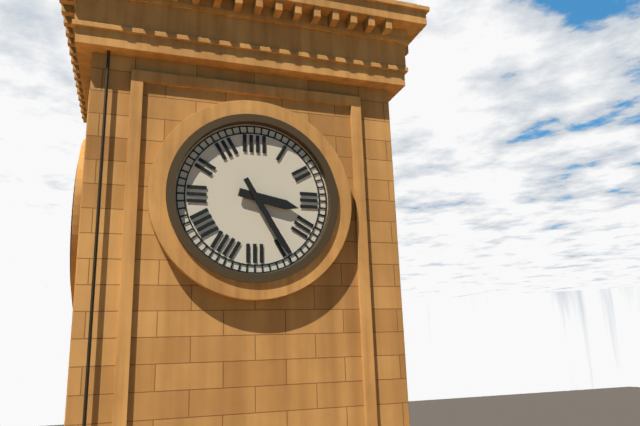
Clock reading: 3h25
